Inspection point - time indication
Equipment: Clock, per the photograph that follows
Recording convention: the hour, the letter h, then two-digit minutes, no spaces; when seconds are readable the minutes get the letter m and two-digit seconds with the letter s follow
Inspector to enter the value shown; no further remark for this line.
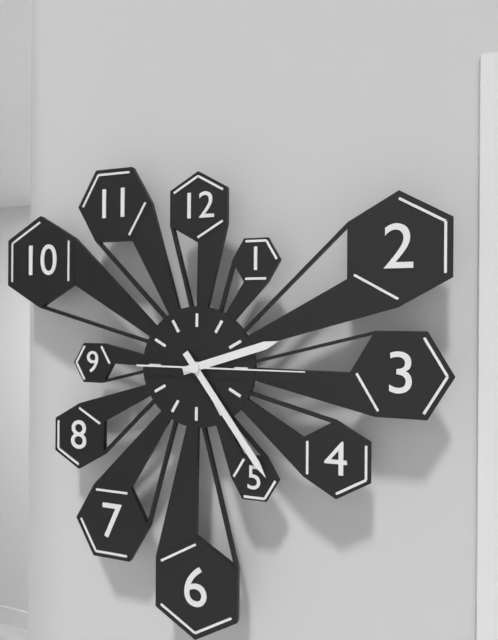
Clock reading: 2h24m15s
